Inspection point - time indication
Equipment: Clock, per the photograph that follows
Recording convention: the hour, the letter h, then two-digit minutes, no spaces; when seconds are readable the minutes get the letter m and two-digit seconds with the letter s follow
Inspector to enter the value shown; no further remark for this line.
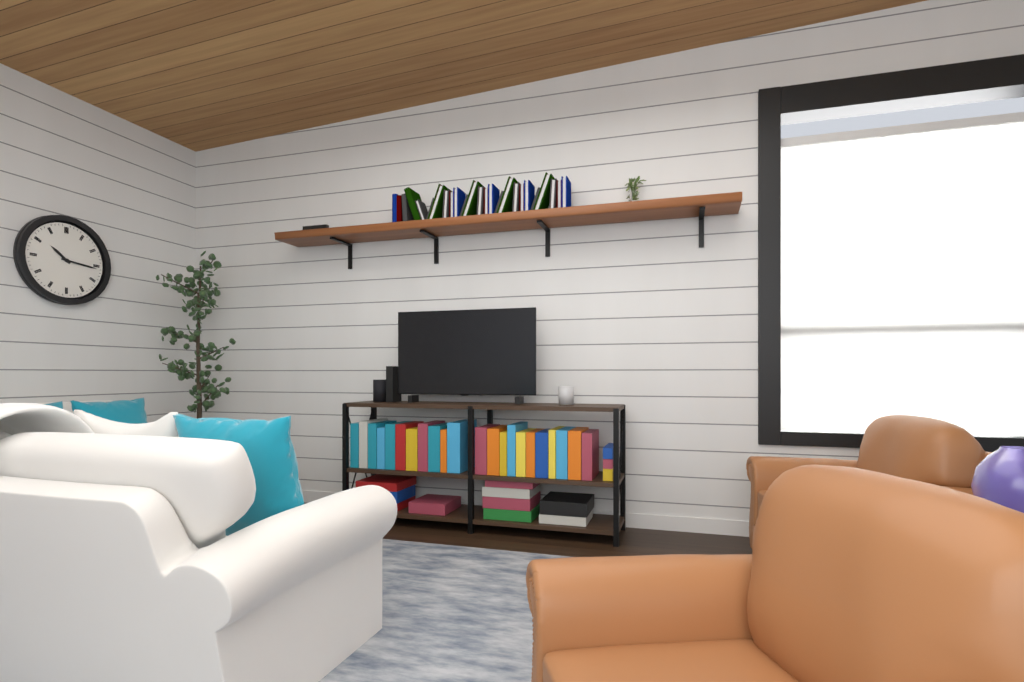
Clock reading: 10h16
